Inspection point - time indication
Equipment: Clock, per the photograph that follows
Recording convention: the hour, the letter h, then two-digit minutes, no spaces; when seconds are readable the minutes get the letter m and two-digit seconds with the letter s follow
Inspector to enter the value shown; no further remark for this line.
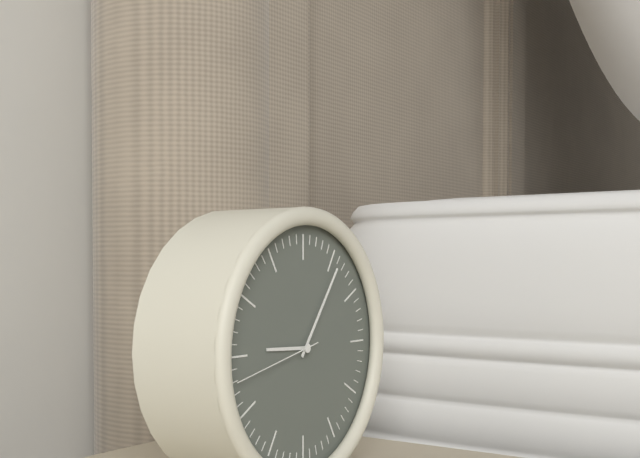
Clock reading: 9h06m43s
